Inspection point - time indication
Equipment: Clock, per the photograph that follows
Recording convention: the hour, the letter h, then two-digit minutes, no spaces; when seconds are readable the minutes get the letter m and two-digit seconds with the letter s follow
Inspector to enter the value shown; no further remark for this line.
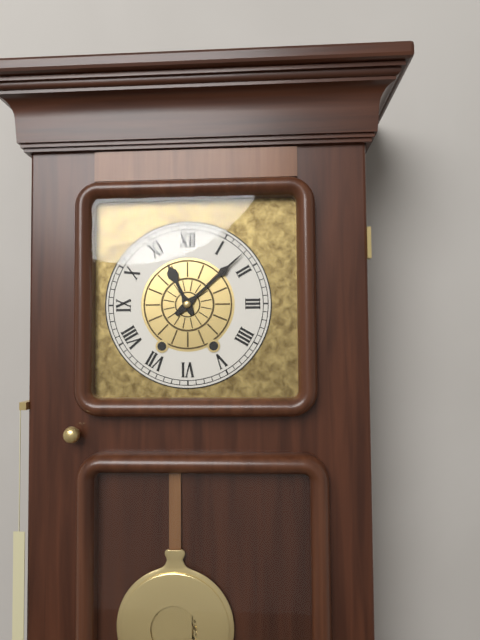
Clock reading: 11h08
